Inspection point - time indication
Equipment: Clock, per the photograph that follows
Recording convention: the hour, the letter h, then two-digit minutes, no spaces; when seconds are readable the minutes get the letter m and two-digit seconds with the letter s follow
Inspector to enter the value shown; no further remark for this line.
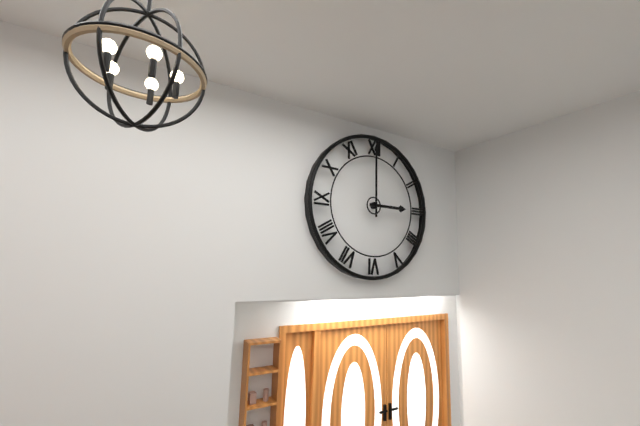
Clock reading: 3h00
